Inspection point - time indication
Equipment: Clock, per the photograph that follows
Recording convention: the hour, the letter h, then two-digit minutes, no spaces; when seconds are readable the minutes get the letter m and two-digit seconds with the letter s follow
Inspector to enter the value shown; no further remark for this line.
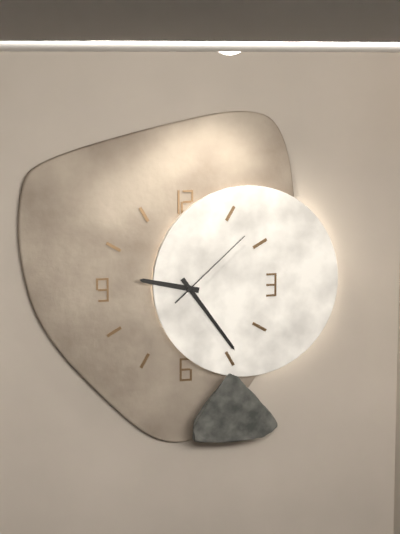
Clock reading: 9h24m08s
